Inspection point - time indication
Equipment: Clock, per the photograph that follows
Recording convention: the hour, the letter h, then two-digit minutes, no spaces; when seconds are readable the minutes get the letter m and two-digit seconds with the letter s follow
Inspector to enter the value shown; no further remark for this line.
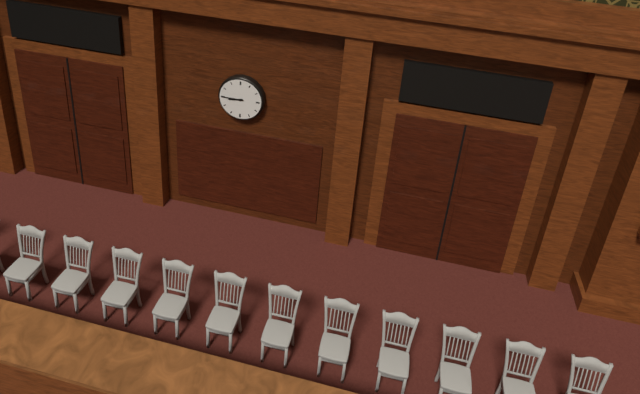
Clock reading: 8h45
